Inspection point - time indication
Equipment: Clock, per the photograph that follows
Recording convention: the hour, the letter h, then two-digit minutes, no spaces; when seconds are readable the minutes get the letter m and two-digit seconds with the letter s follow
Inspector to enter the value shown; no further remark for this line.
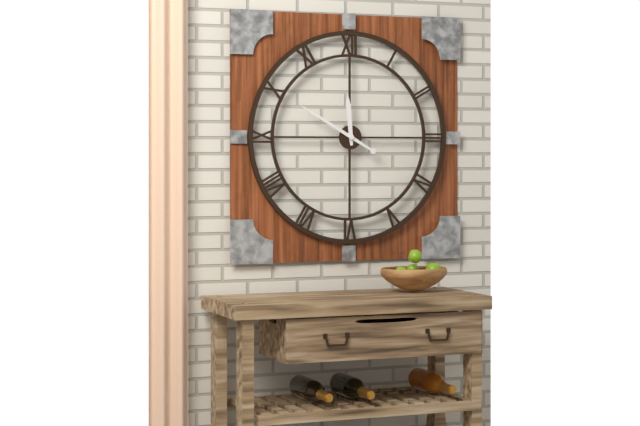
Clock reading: 11h50
